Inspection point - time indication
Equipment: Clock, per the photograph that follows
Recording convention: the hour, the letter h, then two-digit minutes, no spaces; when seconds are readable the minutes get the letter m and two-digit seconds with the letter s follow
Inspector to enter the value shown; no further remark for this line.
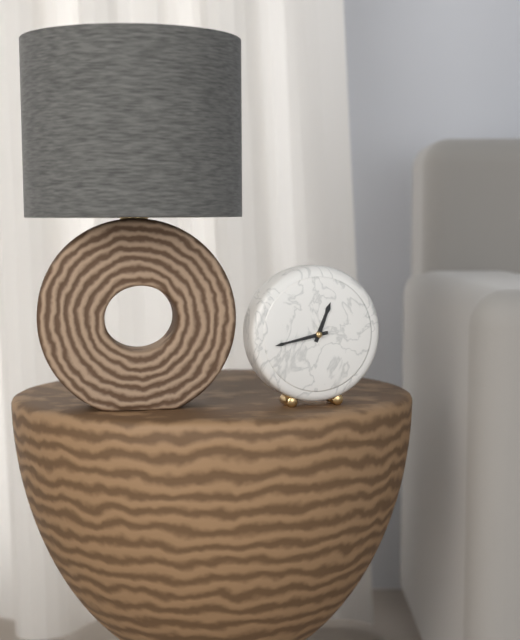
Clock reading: 12h43
